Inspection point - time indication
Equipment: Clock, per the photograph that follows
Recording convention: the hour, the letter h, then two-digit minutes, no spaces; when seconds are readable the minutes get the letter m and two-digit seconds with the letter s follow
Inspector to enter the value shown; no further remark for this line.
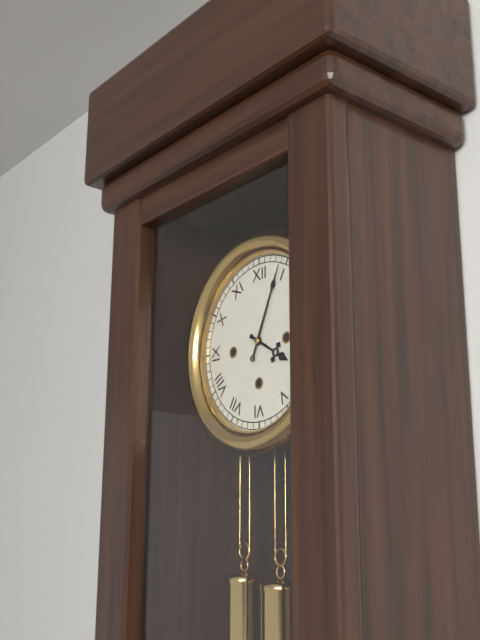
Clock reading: 4h04
